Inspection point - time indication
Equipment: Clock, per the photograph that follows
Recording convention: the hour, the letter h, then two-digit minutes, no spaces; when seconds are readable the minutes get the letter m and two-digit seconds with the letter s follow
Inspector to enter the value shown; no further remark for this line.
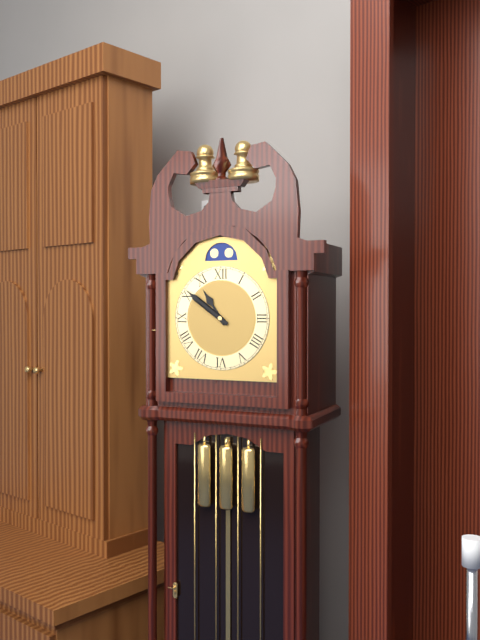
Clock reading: 10h51
